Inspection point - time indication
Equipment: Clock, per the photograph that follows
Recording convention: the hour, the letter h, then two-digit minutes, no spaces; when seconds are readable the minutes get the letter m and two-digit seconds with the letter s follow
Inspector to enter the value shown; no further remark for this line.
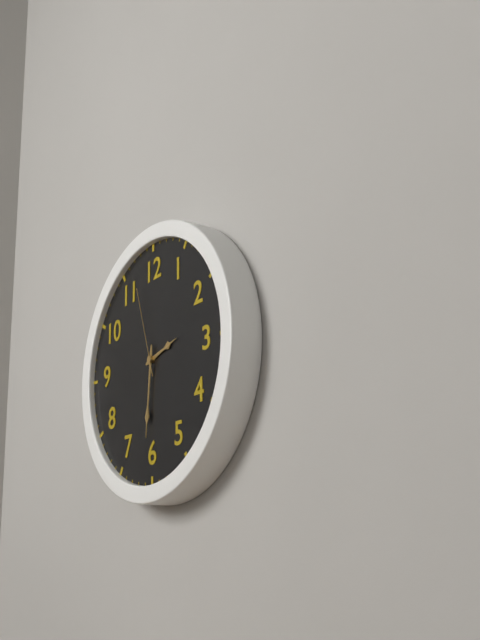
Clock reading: 2h31m57s
